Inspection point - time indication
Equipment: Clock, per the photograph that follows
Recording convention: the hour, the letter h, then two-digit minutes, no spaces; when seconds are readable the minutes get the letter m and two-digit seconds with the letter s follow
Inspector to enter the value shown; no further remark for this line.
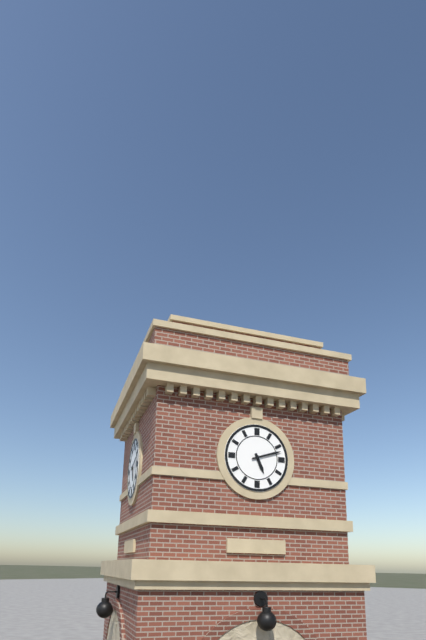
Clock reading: 5h12
